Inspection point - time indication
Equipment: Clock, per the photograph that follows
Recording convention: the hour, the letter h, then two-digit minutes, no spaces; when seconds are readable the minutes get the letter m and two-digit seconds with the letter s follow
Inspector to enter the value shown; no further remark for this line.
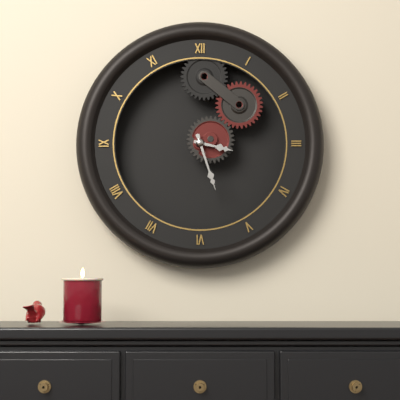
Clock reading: 3h27
